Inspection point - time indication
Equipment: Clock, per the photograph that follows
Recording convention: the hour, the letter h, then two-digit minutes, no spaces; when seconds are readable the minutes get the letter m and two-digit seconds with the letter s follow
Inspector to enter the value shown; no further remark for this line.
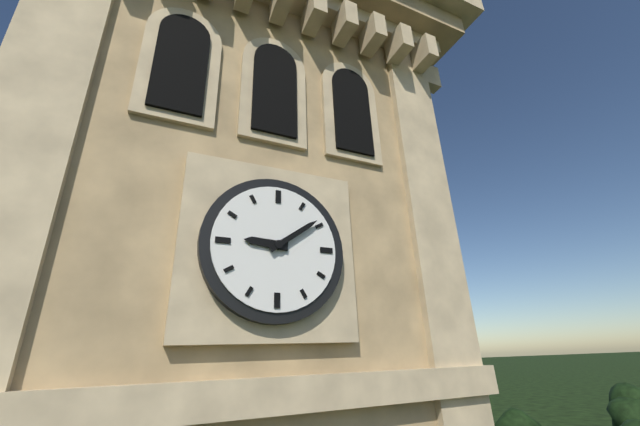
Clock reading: 9h09
